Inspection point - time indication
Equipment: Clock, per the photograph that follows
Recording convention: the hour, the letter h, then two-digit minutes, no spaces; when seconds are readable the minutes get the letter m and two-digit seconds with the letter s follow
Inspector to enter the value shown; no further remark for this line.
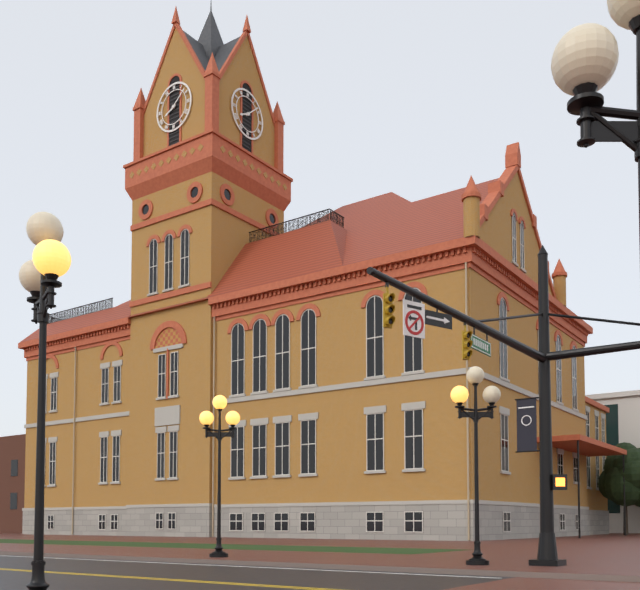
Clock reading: 8h08
